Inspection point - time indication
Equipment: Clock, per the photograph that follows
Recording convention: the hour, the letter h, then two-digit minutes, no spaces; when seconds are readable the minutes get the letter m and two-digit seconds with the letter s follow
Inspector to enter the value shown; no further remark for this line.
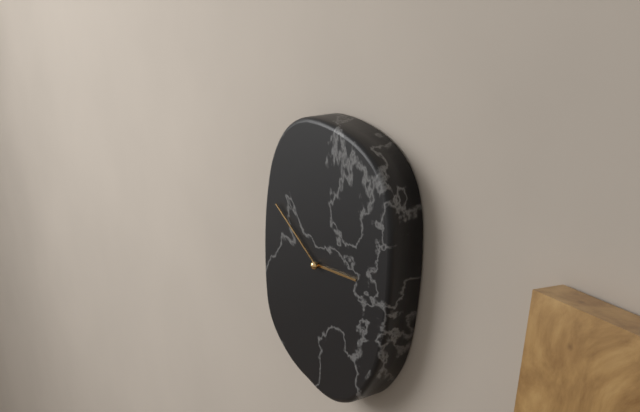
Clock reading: 2h50
